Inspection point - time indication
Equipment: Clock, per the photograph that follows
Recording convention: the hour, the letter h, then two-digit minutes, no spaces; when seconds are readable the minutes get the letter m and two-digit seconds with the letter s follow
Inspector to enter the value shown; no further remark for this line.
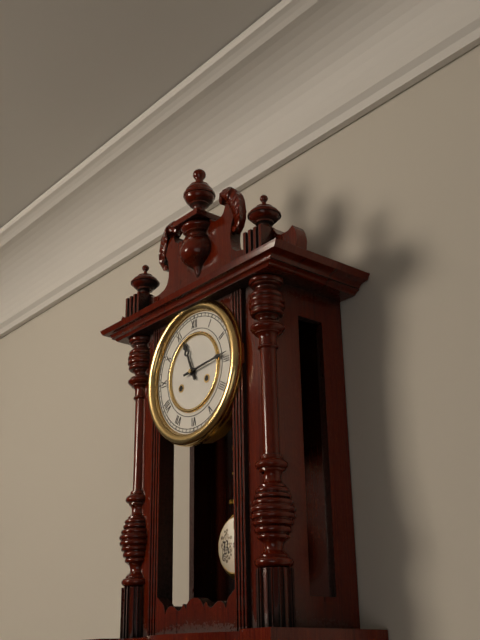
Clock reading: 11h14
